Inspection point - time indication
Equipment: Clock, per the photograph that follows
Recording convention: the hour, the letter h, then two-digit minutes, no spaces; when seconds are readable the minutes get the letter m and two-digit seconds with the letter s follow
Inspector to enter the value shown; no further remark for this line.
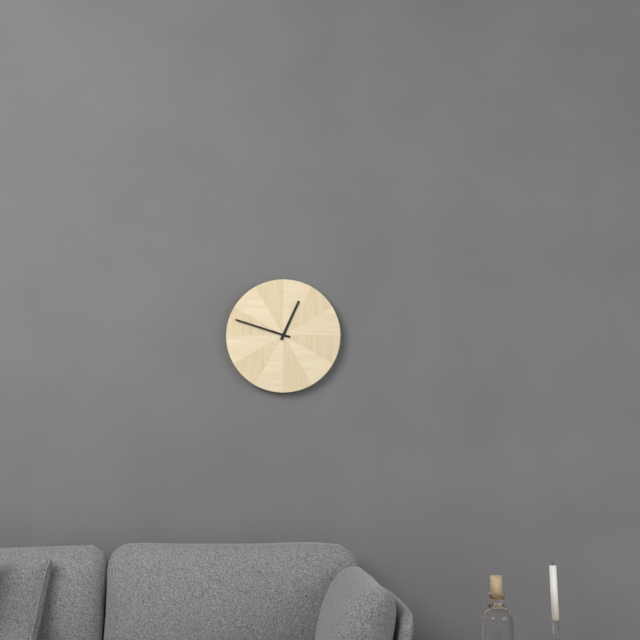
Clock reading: 12h48
